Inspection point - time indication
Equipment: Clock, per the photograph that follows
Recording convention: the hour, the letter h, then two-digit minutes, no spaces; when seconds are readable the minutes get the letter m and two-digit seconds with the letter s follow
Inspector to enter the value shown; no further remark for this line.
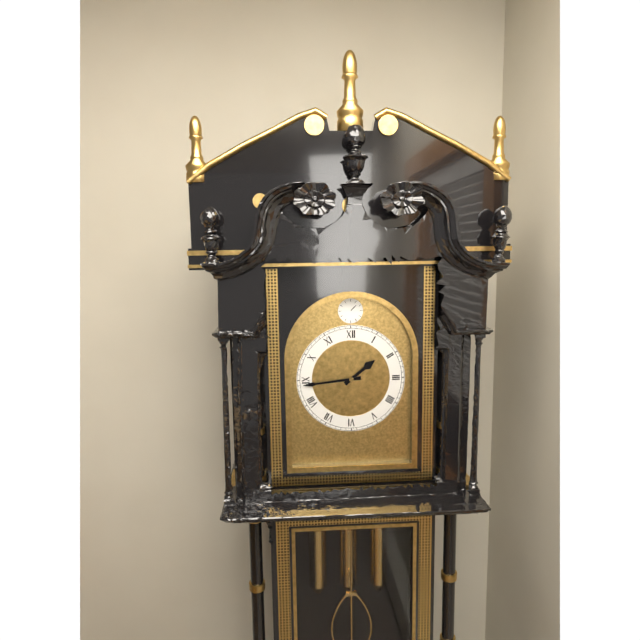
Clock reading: 1h44
